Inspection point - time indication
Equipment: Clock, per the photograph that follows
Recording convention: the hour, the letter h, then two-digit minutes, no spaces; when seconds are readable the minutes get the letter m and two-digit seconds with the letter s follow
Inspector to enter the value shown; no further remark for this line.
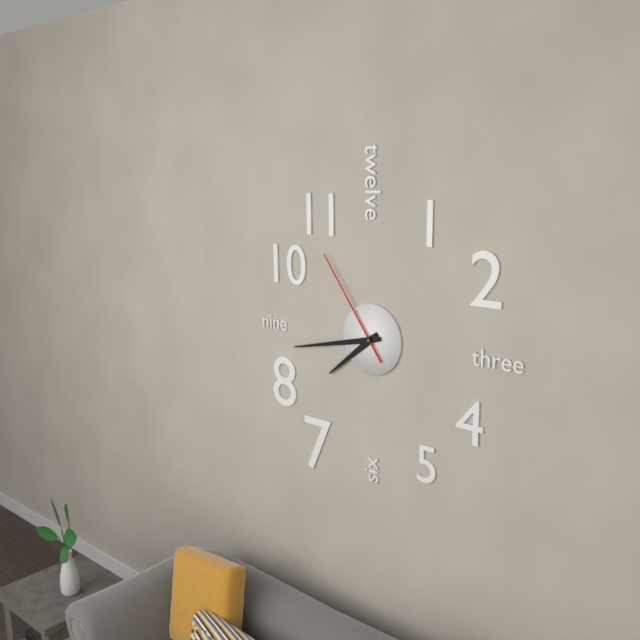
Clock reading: 7h43m54s
